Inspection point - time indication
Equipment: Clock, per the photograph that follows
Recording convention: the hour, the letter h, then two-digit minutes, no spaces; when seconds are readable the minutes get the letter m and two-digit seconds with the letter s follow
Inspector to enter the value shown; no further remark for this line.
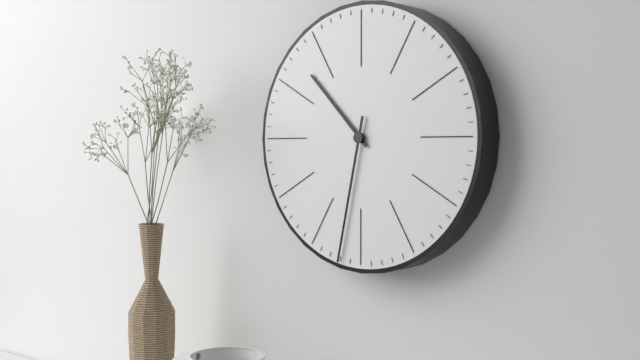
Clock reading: 10h32
